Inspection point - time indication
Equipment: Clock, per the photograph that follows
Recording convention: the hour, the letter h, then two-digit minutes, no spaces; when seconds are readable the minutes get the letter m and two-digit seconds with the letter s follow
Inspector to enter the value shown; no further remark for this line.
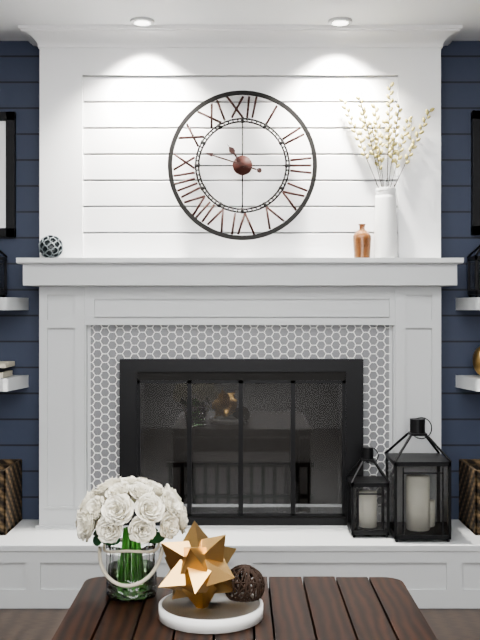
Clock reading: 10h48
